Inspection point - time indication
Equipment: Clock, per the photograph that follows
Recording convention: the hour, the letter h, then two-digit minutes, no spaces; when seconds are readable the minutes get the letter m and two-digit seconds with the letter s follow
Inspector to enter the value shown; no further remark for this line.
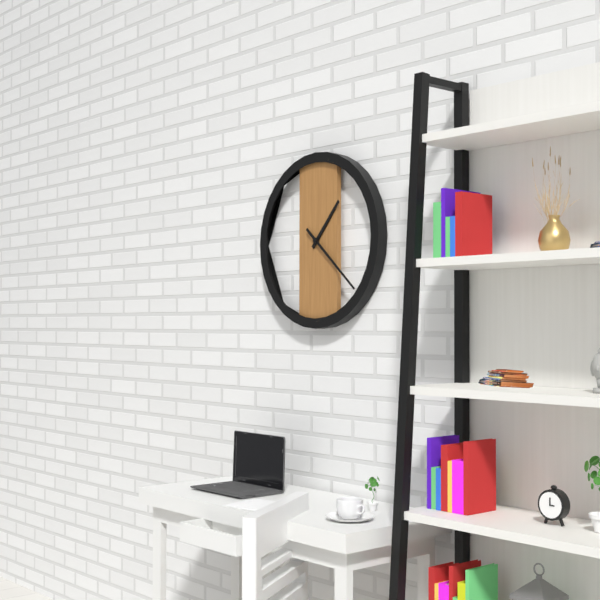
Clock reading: 1h22
